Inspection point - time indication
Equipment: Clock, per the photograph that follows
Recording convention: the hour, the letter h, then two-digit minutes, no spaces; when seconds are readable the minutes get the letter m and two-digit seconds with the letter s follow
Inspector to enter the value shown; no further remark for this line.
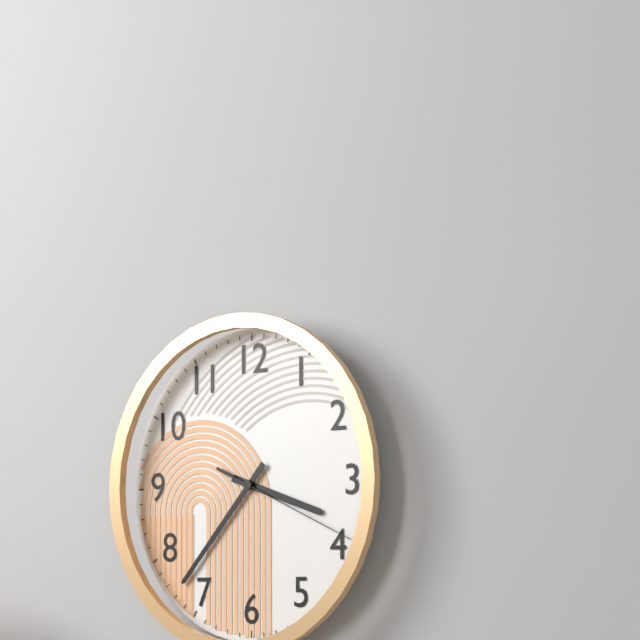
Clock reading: 3h37m19s
